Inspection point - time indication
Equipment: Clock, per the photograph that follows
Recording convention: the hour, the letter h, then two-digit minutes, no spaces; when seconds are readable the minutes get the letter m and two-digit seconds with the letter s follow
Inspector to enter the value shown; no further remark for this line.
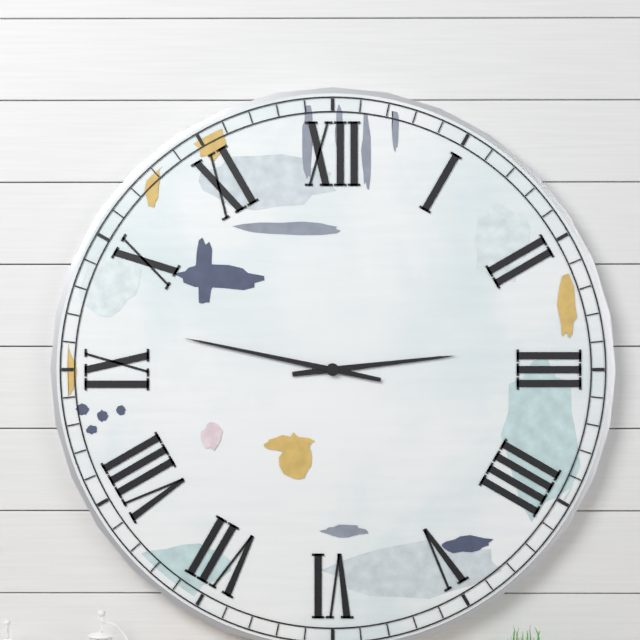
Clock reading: 2h47
